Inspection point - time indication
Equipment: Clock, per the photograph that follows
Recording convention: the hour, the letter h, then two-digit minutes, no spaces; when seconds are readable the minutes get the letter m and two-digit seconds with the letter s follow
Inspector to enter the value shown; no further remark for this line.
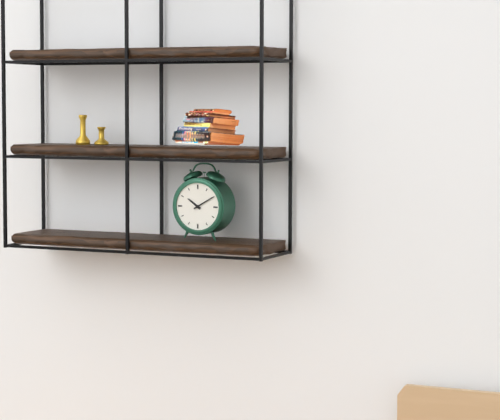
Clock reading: 10h10
